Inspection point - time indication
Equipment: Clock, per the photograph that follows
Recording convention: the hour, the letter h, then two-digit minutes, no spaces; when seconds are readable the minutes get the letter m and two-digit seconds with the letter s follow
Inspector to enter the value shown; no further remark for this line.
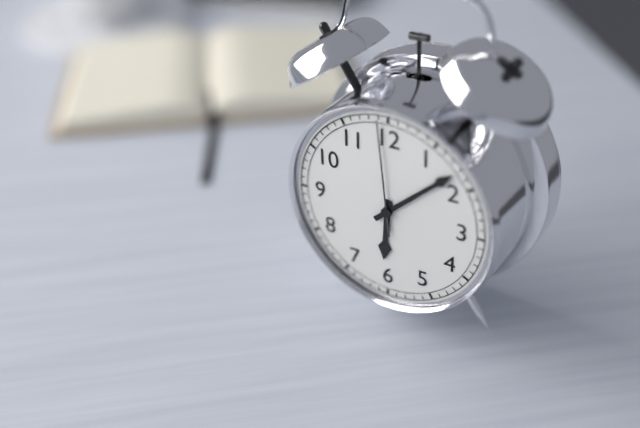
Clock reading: 6h08m59s
